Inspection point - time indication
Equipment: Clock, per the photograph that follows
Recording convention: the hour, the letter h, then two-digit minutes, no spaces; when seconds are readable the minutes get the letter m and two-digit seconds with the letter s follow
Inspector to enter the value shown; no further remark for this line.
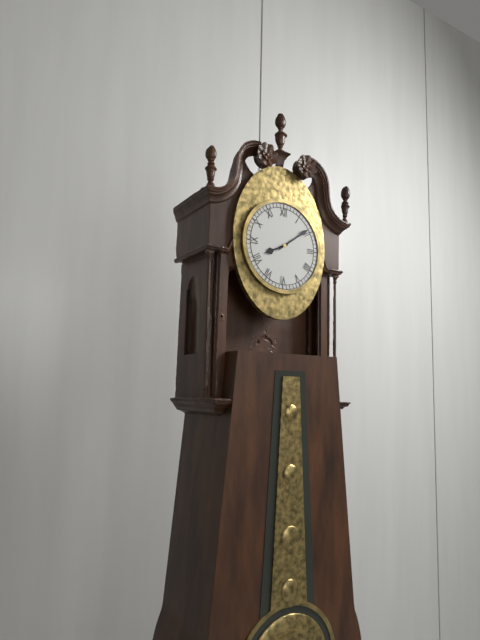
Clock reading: 8h09
